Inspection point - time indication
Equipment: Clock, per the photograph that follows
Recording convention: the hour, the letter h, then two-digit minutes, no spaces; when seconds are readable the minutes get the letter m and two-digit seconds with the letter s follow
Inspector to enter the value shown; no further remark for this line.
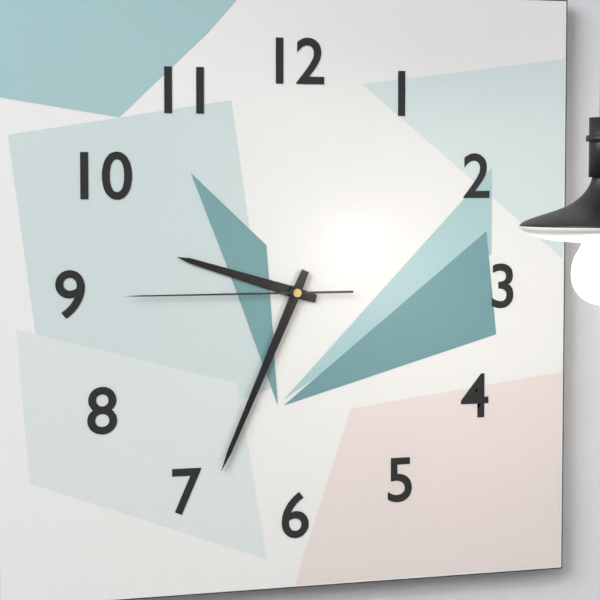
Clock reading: 9h34m45s
